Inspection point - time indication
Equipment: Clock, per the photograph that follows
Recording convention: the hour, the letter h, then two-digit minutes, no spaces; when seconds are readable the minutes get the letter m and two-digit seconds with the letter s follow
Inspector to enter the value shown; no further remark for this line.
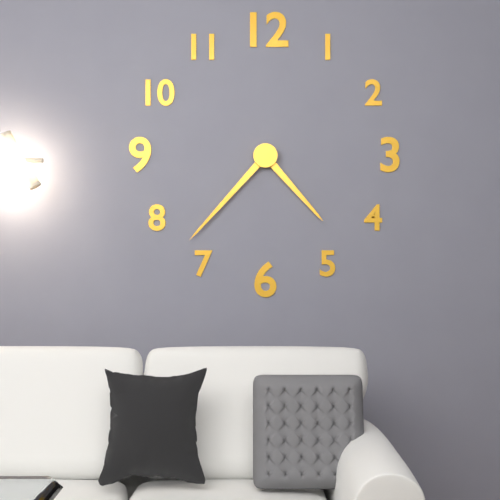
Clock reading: 4h37
